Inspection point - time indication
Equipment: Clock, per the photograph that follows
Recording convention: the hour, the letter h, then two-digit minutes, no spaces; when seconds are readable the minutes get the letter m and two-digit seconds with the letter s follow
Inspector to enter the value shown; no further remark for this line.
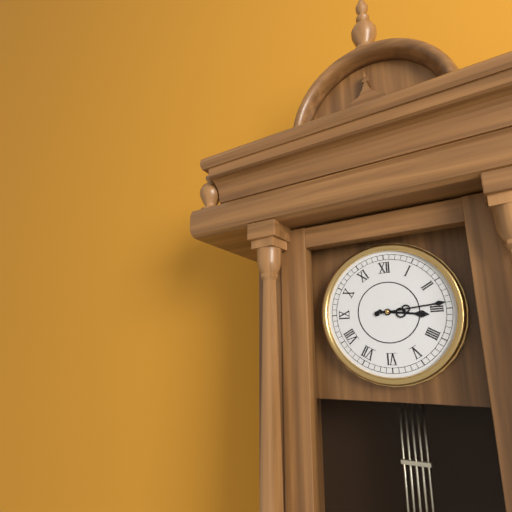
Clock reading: 3h14
